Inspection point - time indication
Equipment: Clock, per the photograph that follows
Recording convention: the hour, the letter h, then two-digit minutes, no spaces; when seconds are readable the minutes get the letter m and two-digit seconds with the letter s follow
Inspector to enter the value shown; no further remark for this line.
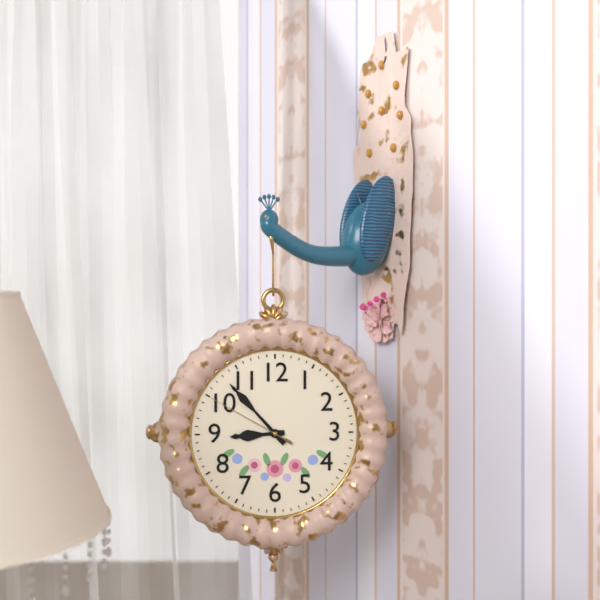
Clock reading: 8h53m50s
